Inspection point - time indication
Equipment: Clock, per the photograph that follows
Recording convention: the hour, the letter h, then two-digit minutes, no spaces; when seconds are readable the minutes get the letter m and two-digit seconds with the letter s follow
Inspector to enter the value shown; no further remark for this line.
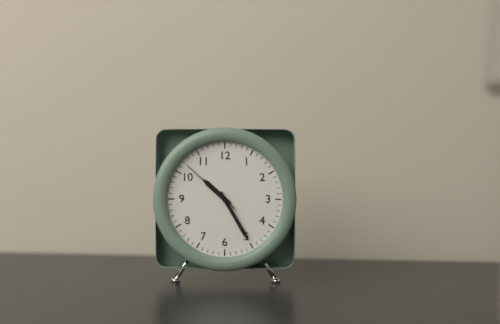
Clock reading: 10h25m52s
